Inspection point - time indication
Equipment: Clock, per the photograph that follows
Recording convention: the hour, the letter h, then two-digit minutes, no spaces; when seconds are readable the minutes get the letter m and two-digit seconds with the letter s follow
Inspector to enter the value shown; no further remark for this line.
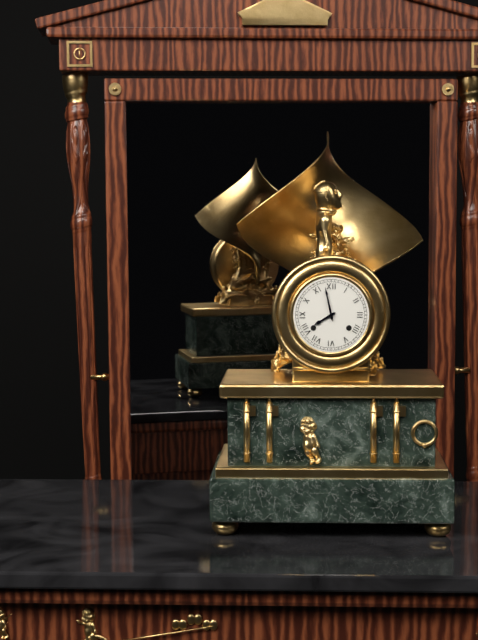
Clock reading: 7h58
